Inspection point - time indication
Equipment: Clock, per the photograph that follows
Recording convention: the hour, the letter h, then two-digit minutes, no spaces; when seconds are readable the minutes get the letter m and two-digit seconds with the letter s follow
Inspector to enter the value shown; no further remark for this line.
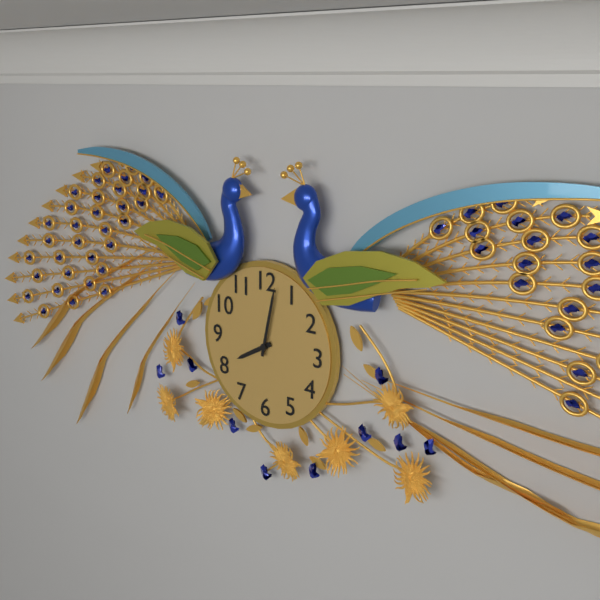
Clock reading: 8h02
